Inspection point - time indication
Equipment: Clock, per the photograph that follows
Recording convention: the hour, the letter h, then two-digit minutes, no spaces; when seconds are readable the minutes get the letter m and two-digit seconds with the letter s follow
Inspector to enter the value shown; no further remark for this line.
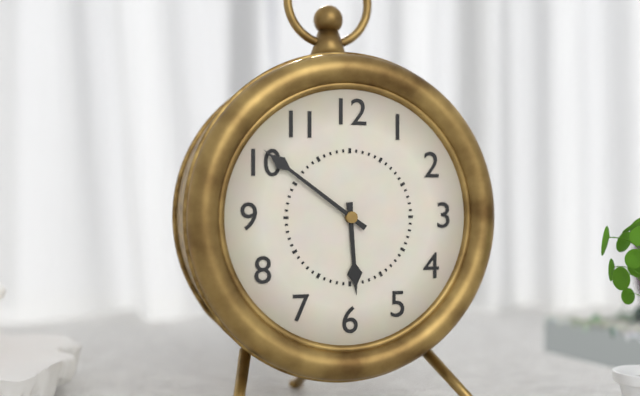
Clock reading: 5h51
